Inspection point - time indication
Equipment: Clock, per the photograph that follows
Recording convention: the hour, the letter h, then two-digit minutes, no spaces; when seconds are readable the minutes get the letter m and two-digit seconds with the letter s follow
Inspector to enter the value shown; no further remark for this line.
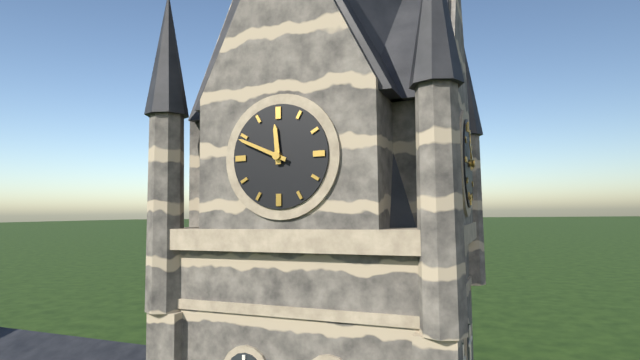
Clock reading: 11h49
